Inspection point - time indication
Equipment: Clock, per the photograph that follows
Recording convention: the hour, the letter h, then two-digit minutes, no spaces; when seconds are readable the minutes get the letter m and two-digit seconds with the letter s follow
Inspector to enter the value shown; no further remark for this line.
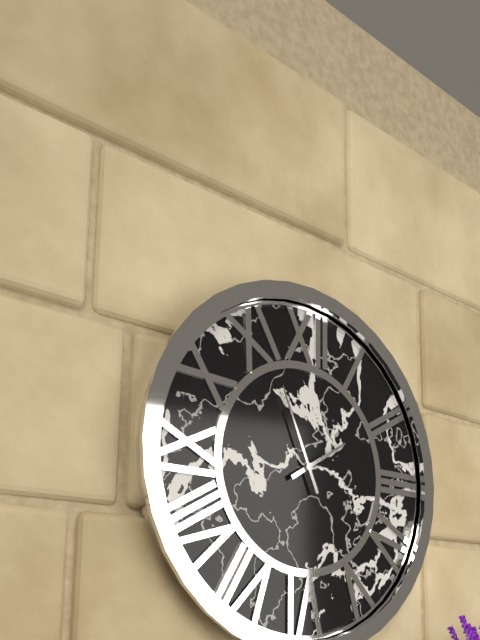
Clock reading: 1h56
